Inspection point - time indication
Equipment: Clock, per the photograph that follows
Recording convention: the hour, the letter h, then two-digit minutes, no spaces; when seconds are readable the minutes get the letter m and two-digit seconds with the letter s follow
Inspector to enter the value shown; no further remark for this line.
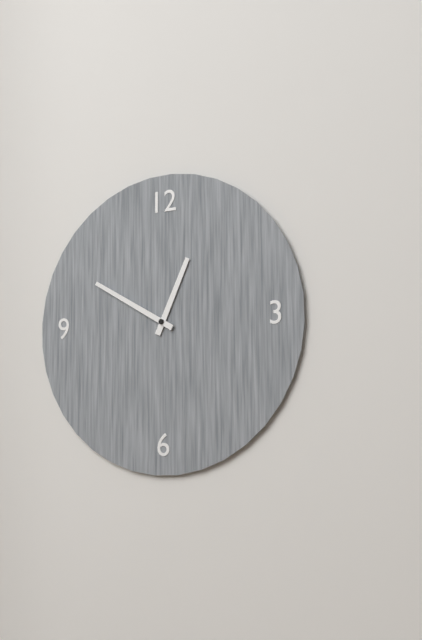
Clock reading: 12h50
